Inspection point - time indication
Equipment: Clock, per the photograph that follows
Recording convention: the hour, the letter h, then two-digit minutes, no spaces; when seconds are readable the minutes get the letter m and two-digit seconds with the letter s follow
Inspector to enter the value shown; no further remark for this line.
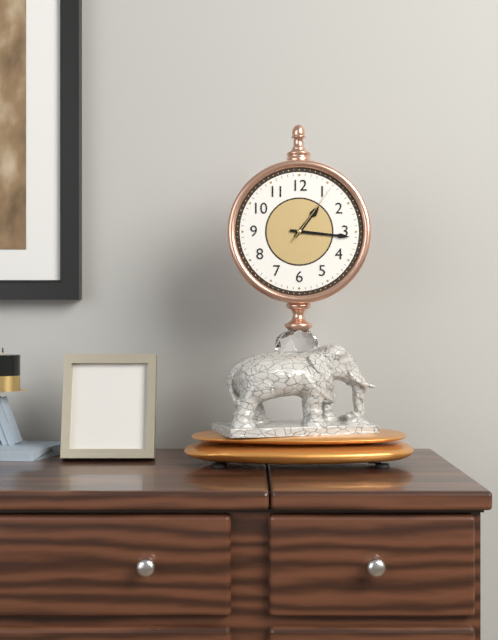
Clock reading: 1h16m06s
